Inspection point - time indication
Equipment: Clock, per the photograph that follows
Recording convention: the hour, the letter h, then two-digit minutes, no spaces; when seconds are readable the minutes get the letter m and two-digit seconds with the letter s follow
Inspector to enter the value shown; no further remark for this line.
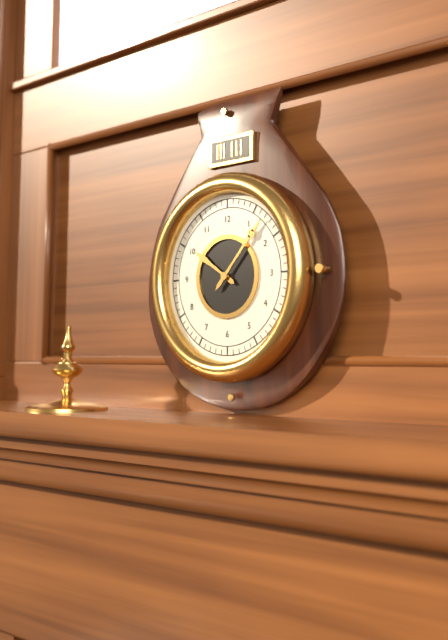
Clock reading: 10h07
